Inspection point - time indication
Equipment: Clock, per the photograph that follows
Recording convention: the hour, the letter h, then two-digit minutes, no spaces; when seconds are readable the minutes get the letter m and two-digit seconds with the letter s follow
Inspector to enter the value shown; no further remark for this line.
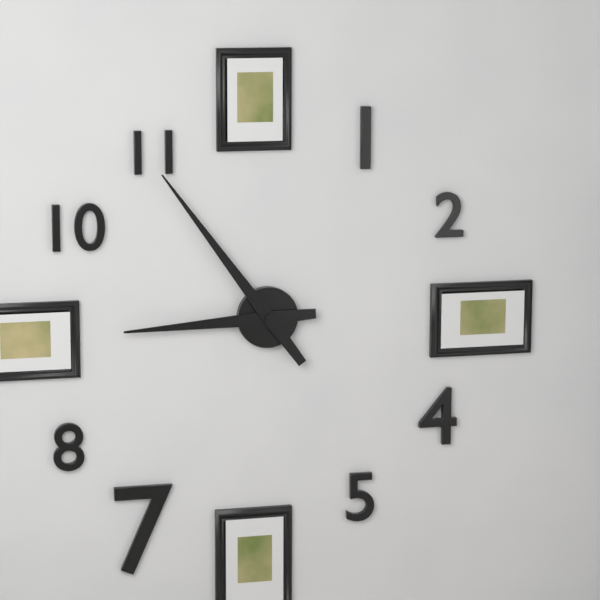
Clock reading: 8h54
